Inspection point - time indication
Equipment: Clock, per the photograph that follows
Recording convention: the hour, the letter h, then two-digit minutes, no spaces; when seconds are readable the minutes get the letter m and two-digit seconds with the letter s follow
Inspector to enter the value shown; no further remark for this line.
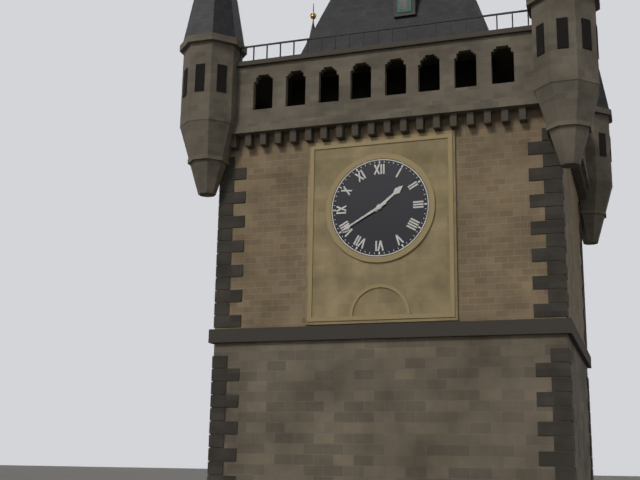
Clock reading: 1h40
